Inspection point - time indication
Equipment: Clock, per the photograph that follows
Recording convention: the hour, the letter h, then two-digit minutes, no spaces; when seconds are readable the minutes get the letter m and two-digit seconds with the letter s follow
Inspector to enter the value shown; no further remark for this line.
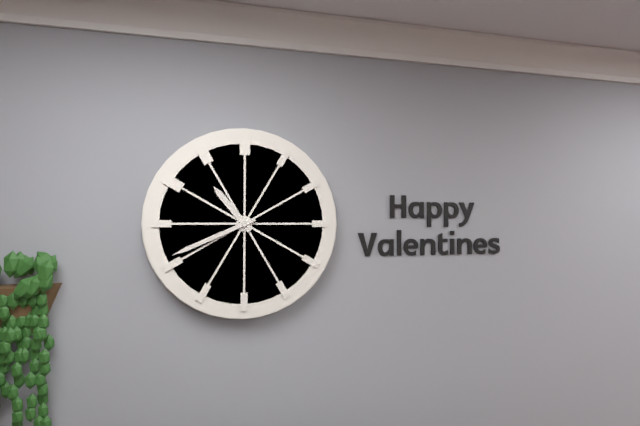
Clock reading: 10h41
